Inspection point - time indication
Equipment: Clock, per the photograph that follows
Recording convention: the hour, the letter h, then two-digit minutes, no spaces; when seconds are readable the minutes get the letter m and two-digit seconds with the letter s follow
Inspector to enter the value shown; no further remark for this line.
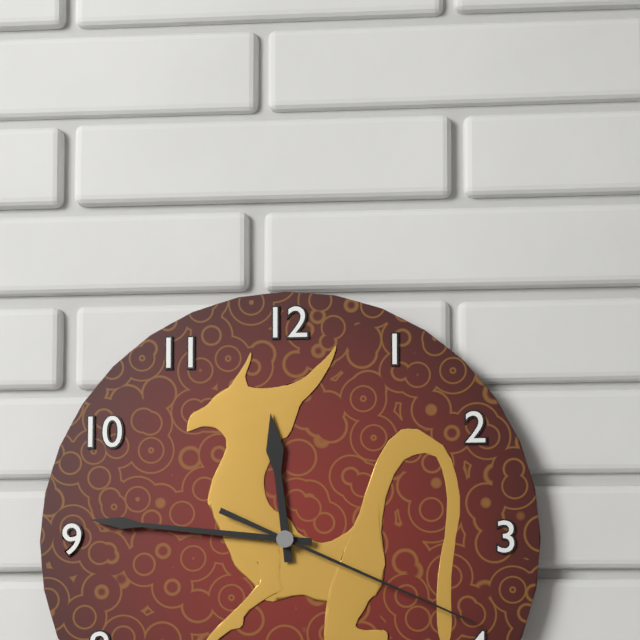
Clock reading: 11h46m19s
